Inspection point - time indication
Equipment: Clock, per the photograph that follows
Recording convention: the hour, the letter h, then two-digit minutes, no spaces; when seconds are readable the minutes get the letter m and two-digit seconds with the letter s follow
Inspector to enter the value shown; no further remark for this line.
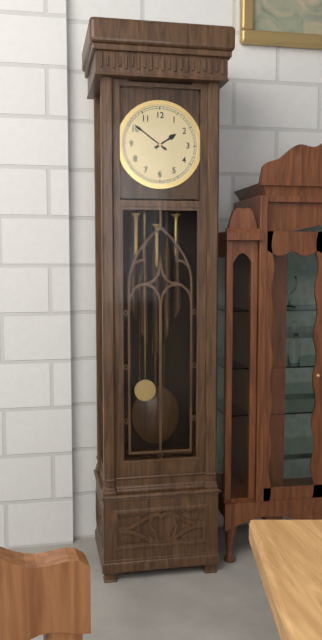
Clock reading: 1h51
